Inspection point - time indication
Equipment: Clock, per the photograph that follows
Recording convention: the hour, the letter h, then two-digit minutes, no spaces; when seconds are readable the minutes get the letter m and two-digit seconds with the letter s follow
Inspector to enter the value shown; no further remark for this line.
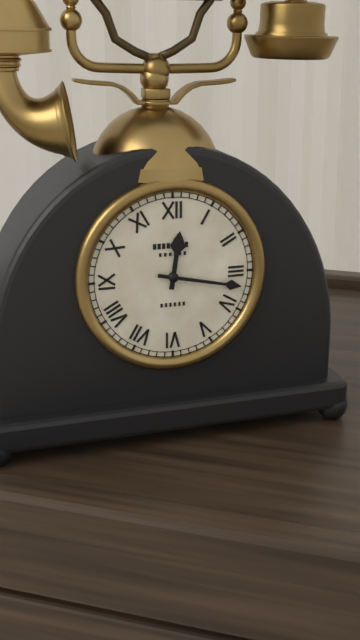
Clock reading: 12h17
